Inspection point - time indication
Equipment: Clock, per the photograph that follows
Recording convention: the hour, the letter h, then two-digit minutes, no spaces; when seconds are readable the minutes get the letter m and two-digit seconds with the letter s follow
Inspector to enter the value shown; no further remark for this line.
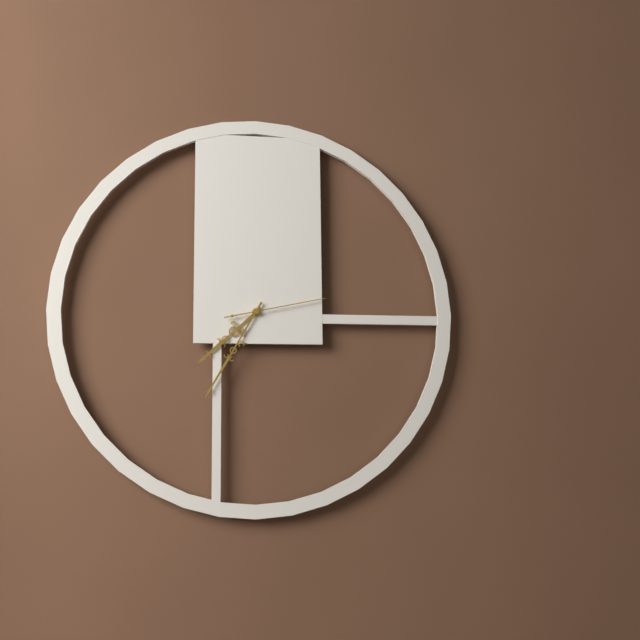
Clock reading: 7h35m13s
